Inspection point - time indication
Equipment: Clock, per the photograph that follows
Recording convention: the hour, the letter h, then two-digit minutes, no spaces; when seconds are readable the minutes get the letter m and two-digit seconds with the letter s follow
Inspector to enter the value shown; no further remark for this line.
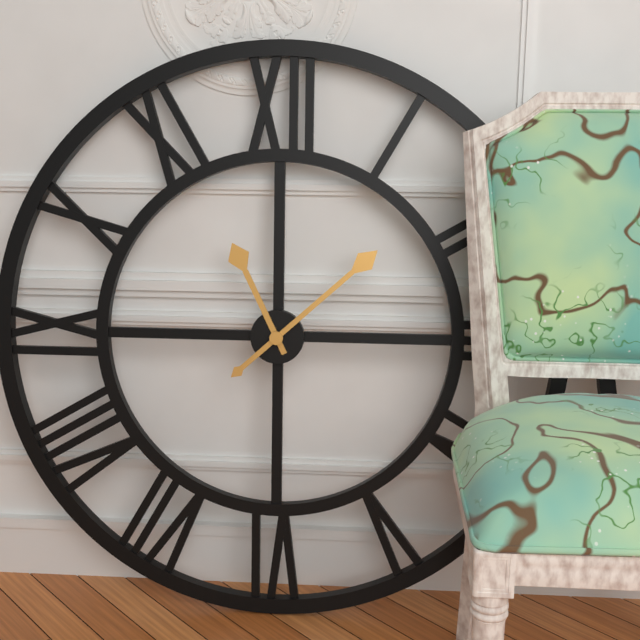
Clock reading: 11h08
